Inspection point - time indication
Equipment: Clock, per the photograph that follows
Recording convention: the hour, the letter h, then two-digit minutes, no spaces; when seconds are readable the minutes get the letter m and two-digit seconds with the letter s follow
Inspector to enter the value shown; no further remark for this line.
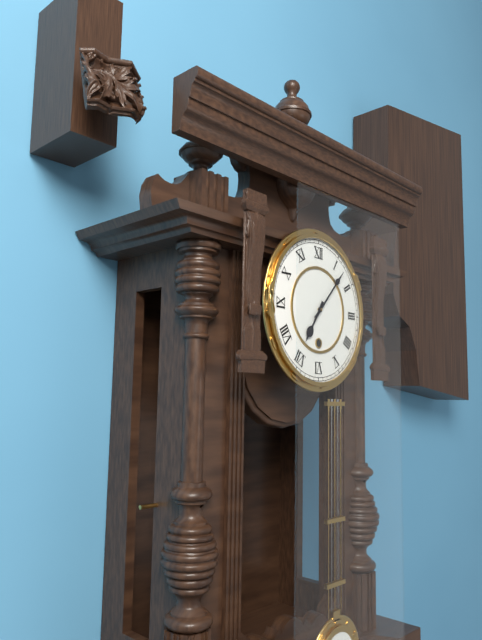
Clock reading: 7h07
